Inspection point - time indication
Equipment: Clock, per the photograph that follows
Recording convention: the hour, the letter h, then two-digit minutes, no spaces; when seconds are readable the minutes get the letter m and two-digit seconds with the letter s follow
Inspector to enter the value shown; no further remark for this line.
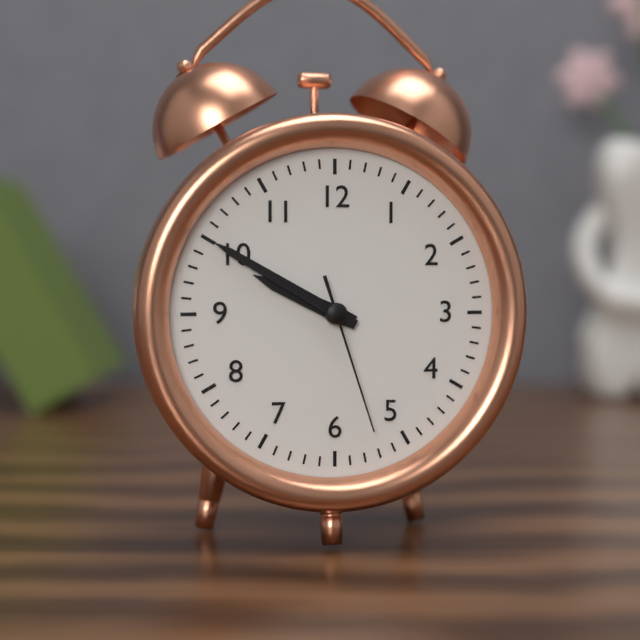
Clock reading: 9h50m27s
